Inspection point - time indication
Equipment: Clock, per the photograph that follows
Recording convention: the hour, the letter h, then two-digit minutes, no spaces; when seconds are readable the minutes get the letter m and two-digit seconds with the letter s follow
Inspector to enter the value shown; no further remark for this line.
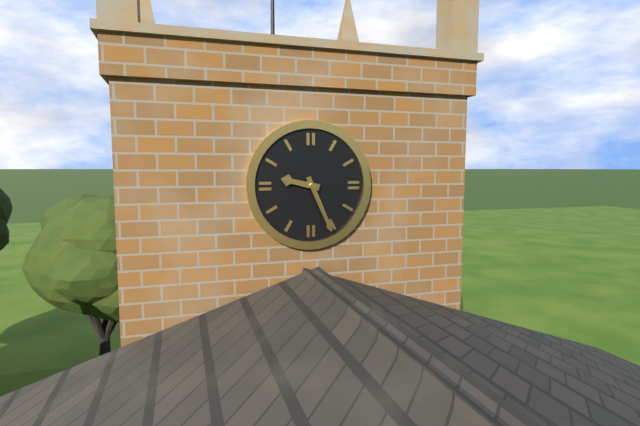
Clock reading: 9h26
